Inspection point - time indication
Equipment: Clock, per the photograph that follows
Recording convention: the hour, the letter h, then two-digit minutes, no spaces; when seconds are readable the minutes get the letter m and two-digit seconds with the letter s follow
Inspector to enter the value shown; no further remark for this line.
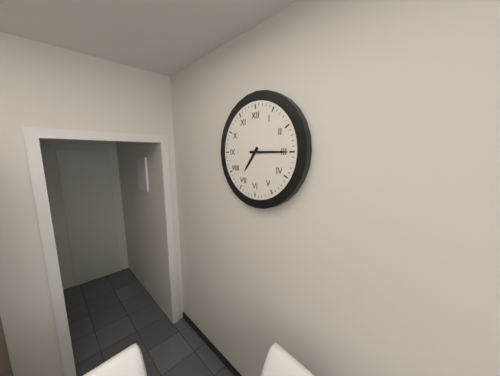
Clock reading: 7h15
